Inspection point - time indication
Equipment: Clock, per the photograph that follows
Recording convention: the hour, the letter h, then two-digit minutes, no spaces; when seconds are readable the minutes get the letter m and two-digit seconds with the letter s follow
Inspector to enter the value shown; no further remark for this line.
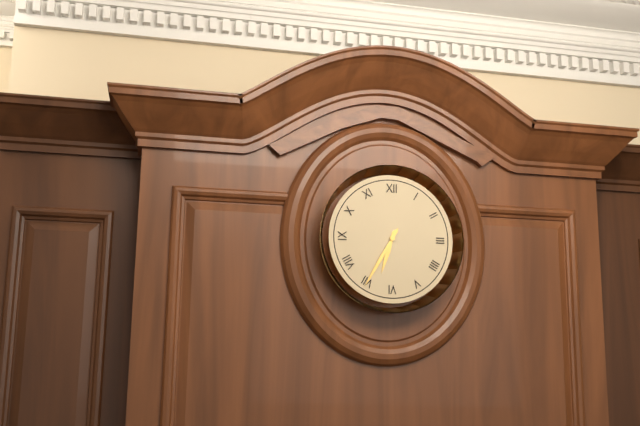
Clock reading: 6h35
